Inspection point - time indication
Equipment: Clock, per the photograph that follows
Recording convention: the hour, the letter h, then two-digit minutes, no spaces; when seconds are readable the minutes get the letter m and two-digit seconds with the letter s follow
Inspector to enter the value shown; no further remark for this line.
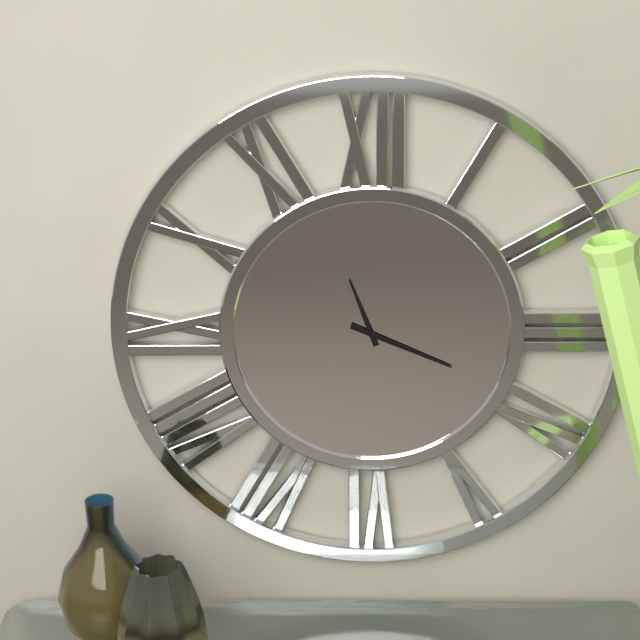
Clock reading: 11h19
